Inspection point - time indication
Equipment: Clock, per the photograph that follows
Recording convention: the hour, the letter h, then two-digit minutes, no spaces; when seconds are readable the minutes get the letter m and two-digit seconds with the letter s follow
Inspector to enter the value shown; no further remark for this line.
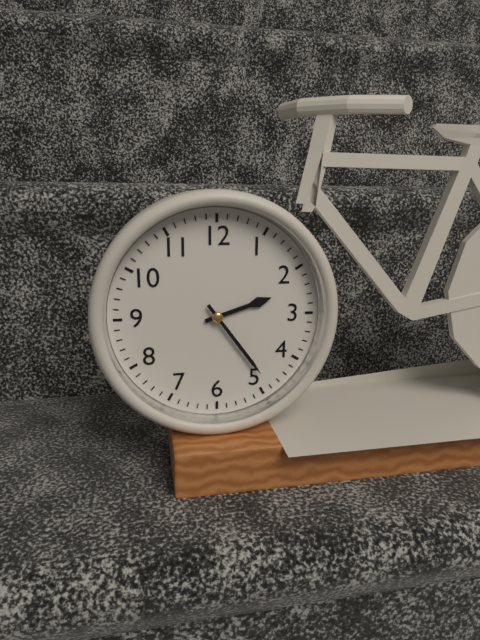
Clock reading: 2h24
